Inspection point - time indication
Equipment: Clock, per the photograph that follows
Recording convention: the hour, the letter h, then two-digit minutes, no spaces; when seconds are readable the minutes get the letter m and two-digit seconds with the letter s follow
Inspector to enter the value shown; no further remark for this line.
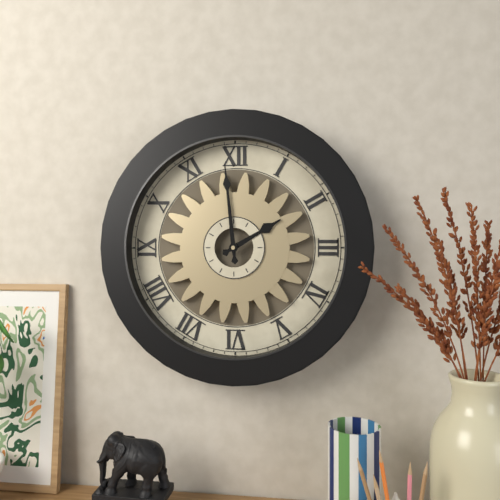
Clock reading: 1h59
